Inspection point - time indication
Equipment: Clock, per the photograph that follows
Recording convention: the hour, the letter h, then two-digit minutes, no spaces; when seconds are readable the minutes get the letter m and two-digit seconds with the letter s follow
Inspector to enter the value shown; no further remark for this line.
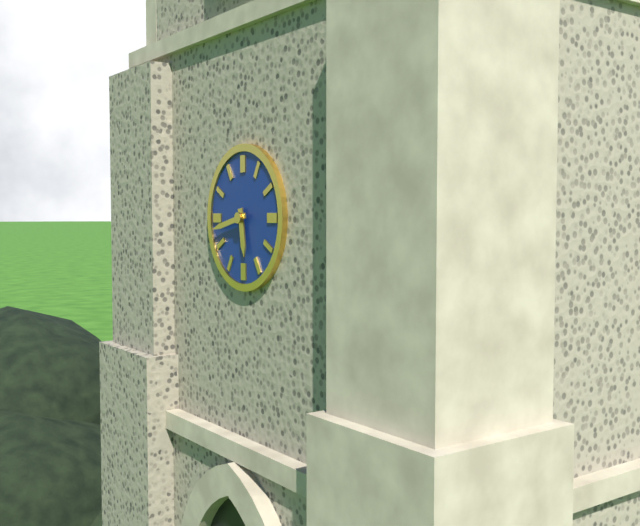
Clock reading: 5h43
